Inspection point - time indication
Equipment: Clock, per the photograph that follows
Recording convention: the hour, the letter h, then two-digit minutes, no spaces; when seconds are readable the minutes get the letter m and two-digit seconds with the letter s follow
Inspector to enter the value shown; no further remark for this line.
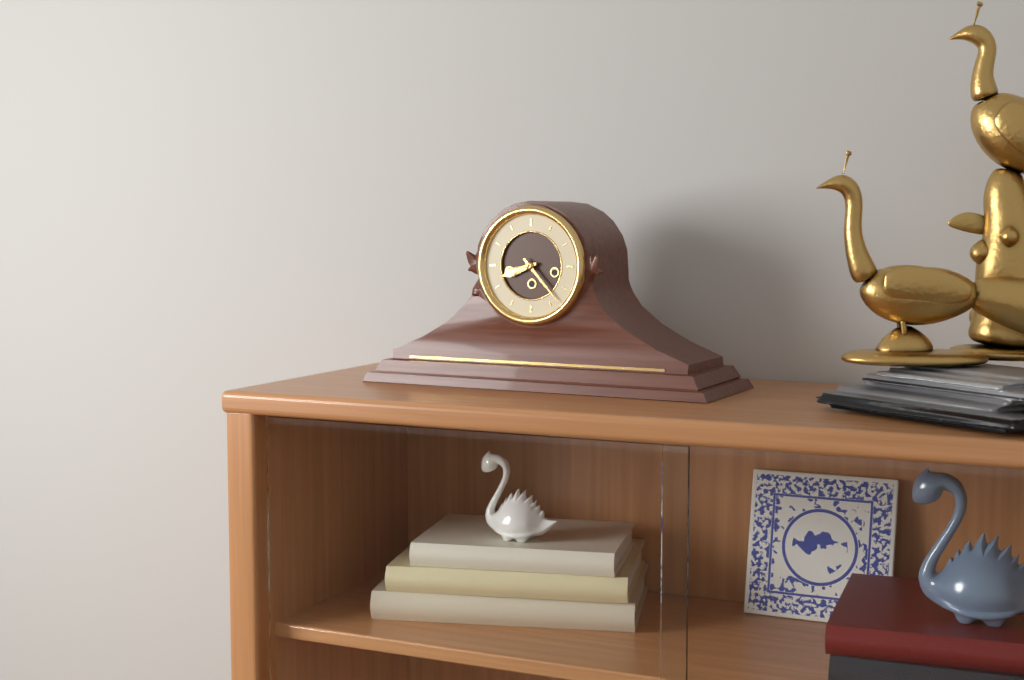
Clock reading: 8h23
